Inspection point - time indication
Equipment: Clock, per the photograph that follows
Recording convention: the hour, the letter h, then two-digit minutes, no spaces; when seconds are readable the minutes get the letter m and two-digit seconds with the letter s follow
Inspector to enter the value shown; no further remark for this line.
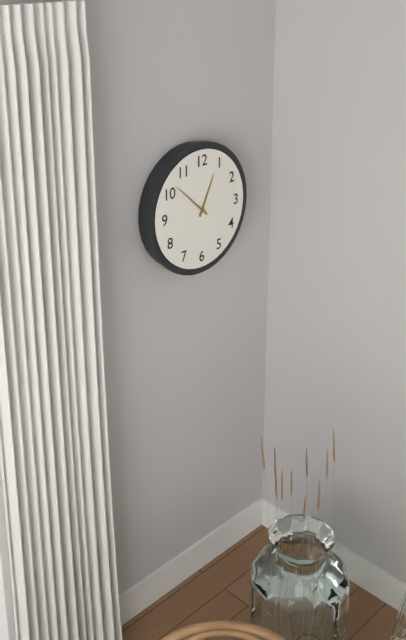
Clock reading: 12h52
